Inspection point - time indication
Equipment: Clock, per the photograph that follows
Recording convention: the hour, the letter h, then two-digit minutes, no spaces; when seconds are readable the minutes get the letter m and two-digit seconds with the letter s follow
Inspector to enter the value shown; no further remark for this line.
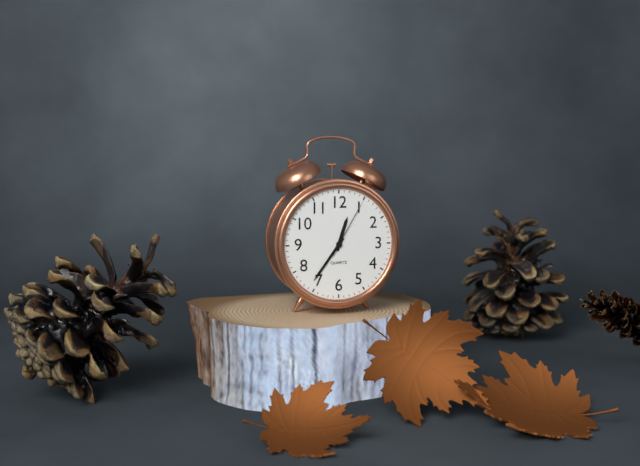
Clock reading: 12h36m05s
